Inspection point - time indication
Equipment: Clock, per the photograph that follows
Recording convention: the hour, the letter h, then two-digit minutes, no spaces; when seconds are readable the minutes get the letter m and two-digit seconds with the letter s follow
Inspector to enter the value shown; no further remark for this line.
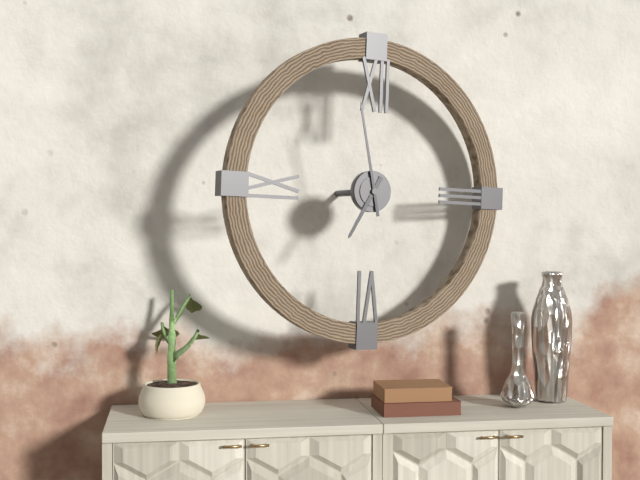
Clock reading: 6h58
